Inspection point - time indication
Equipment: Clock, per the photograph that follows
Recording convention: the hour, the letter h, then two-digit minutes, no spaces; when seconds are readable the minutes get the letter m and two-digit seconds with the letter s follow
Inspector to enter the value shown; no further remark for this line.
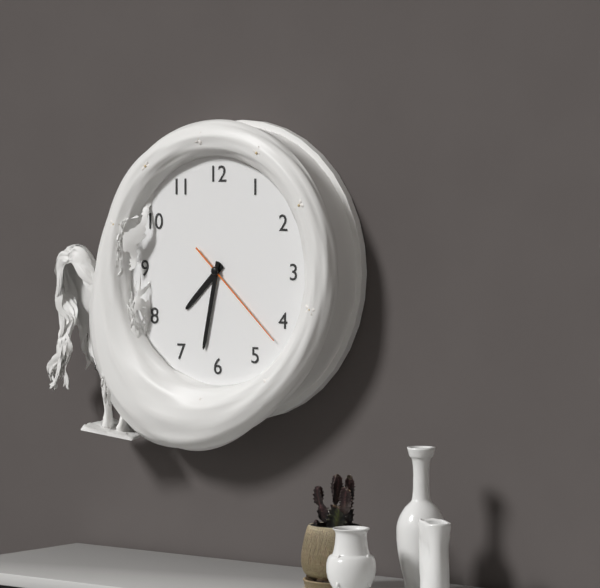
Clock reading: 7h32m22s
